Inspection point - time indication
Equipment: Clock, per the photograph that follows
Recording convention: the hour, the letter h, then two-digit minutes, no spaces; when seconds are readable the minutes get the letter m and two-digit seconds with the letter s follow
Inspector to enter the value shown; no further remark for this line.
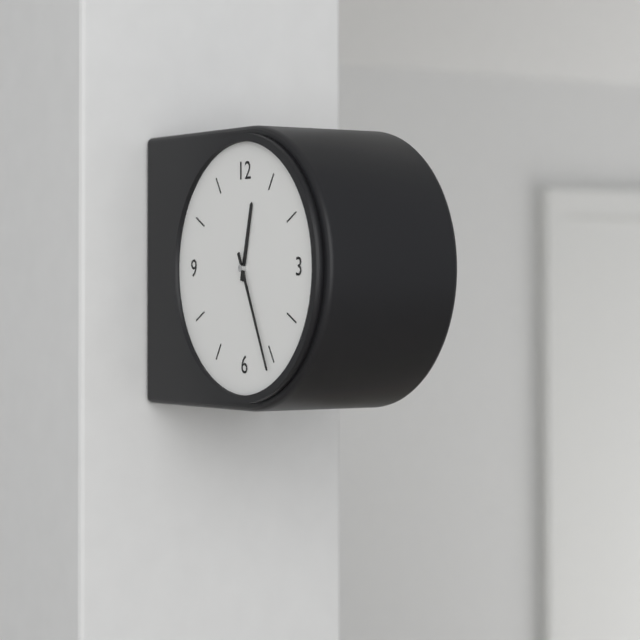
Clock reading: 12h26
